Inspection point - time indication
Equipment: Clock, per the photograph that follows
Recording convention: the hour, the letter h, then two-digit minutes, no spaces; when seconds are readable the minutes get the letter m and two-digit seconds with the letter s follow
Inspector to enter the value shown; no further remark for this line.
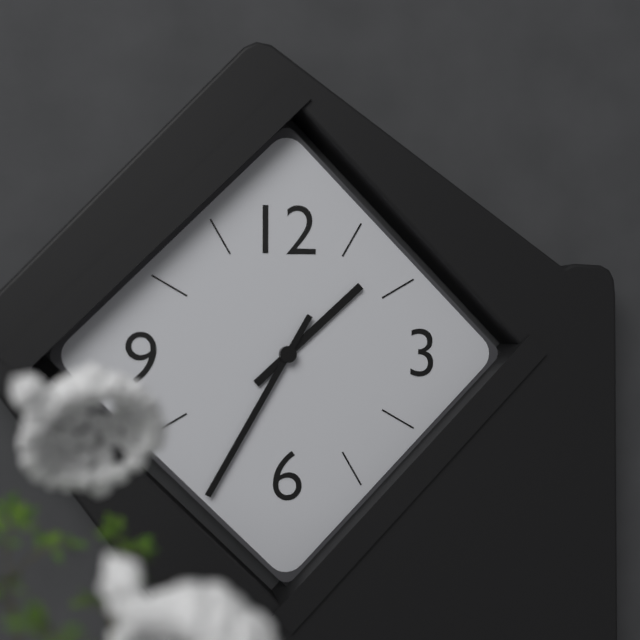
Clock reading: 1h35
